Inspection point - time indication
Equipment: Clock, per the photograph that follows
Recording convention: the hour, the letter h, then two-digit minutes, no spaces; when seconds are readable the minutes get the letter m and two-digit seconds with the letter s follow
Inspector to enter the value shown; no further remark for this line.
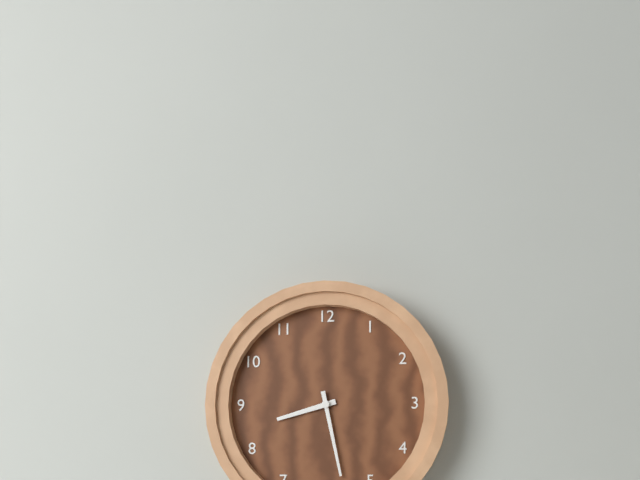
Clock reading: 8h28
